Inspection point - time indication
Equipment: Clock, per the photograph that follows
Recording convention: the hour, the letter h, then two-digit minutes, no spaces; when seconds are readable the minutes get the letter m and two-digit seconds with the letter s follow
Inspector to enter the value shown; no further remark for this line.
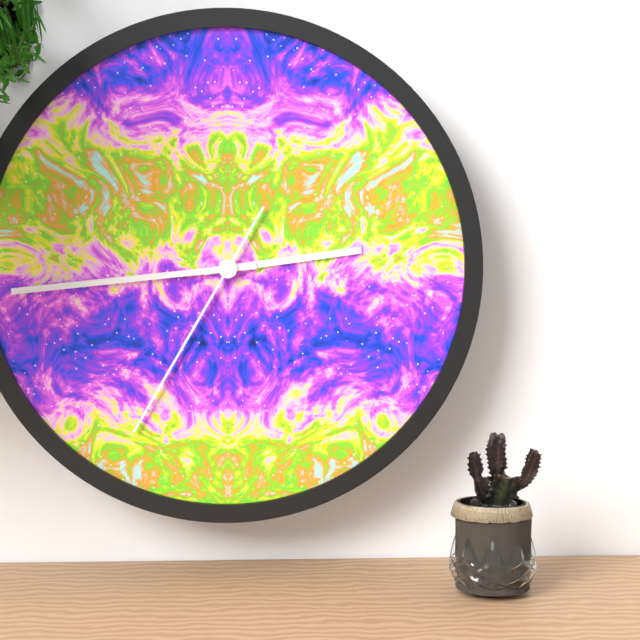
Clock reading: 2h44m35s
